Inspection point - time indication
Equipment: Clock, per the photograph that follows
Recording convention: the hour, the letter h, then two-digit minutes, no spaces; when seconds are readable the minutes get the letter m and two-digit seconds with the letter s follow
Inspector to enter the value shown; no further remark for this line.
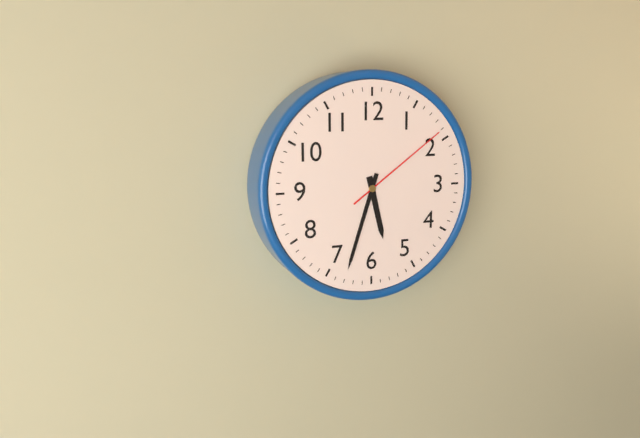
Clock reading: 5h33m09s
